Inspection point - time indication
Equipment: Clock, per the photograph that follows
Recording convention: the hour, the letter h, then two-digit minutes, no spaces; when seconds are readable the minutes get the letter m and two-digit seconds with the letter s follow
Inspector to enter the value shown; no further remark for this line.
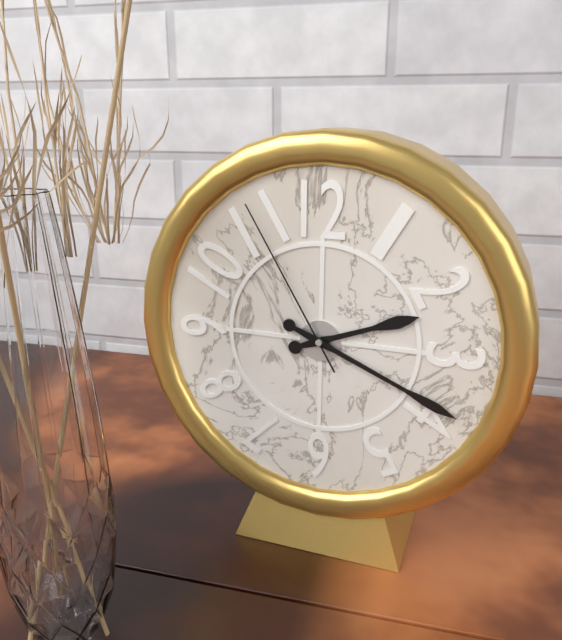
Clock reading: 2h19m55s
